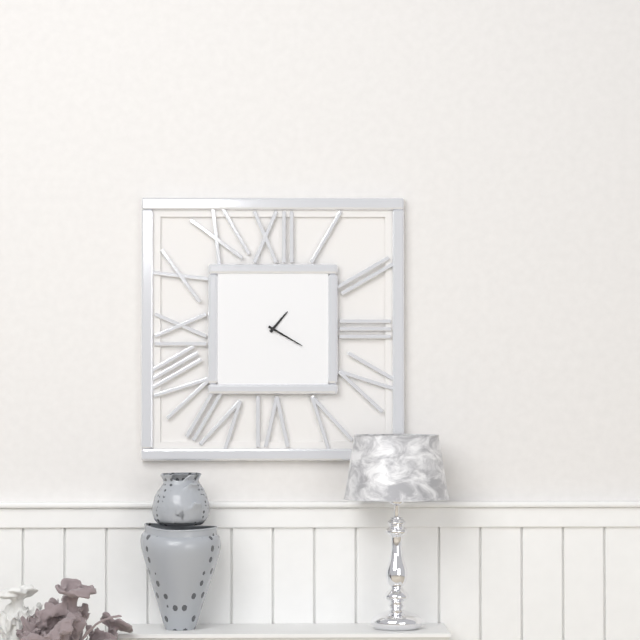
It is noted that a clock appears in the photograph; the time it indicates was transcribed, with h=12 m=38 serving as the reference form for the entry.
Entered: h=1 m=20
